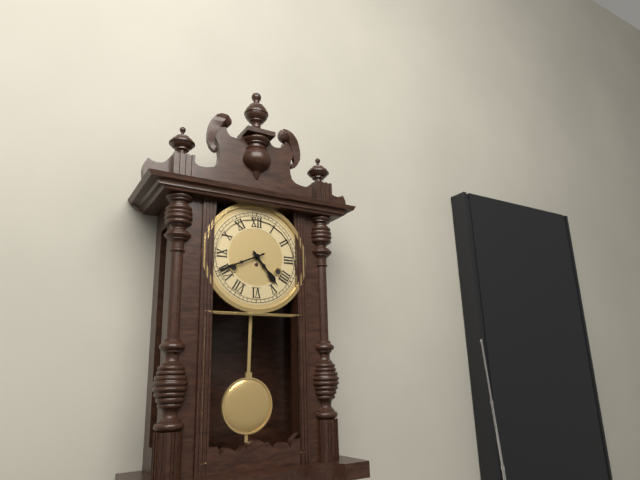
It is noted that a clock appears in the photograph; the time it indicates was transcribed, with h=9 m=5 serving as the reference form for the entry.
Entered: h=4 m=41
